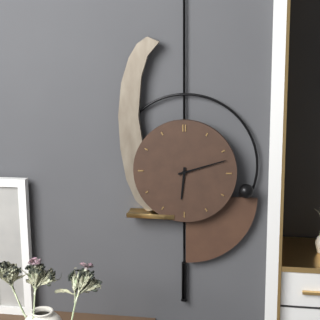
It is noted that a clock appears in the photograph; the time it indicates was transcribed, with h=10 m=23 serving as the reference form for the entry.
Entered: h=6 m=12
